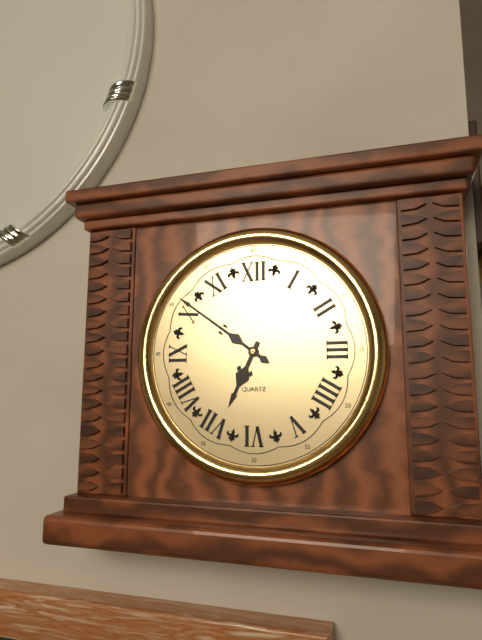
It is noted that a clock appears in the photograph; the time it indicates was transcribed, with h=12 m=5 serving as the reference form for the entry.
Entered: h=6 m=51
